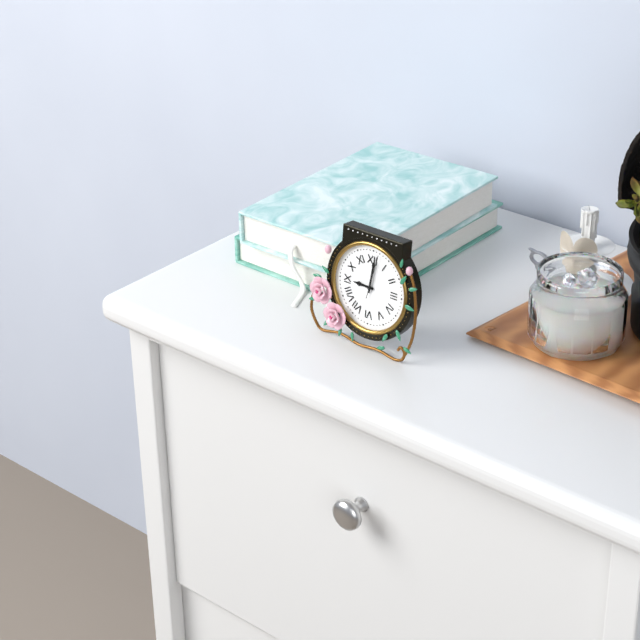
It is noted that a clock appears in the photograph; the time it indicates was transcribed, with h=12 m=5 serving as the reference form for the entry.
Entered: h=9 m=1
